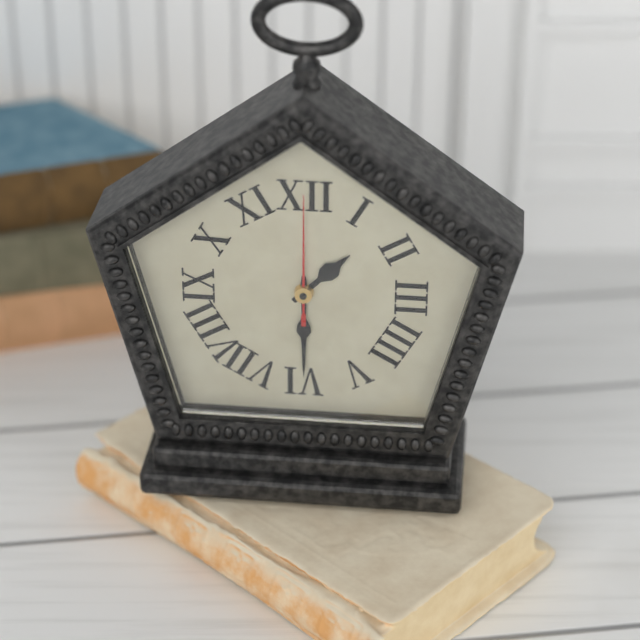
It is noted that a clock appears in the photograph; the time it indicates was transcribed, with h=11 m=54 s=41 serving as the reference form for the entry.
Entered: h=1 m=30 s=0
